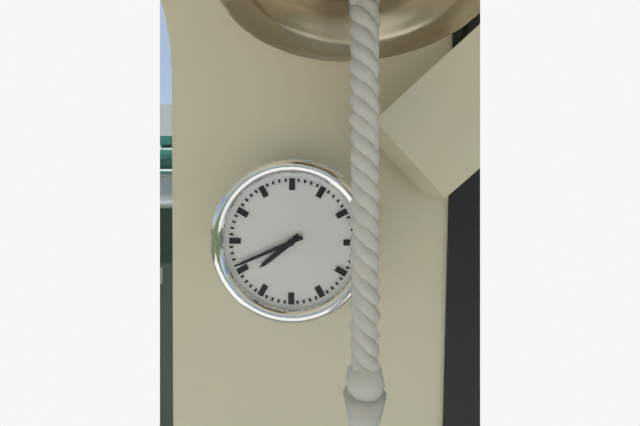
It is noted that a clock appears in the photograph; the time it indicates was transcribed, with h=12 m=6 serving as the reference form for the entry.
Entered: h=7 m=41
